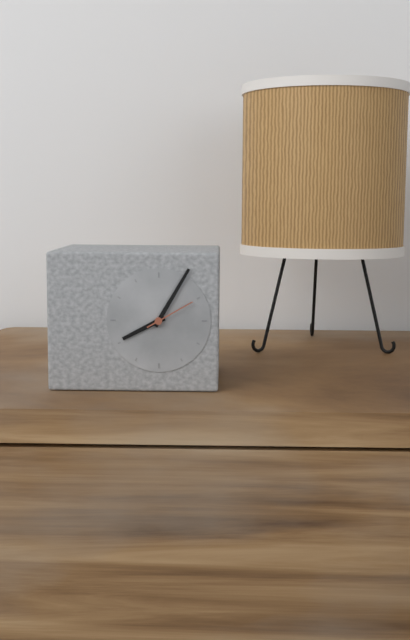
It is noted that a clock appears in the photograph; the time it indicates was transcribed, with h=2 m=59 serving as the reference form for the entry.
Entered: h=8 m=5
